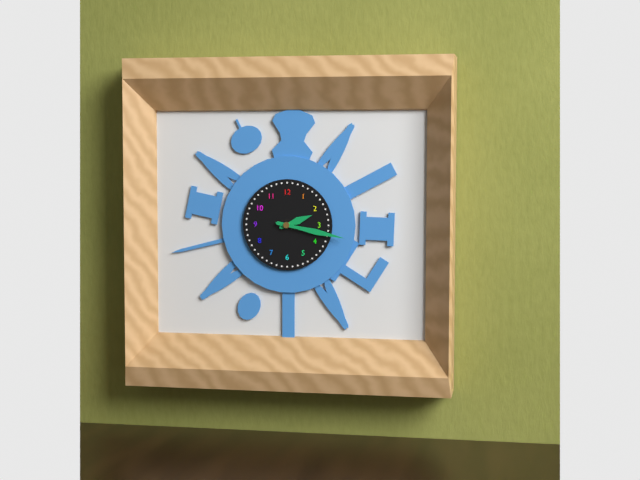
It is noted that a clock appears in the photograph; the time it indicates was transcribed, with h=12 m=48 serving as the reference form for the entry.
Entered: h=2 m=17
